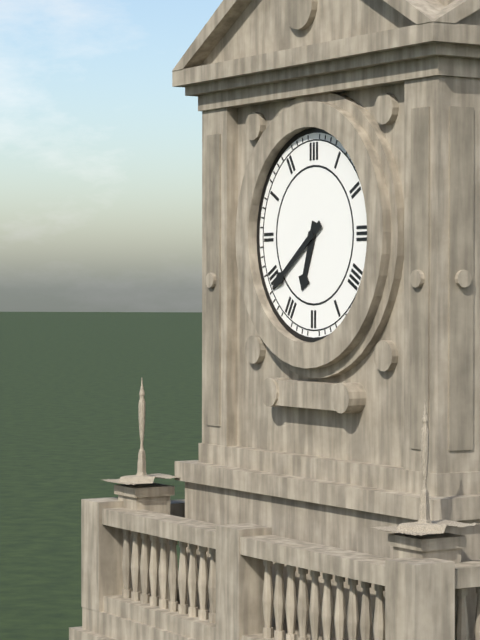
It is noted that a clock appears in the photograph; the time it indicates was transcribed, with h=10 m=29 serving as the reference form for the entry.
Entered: h=6 m=39
